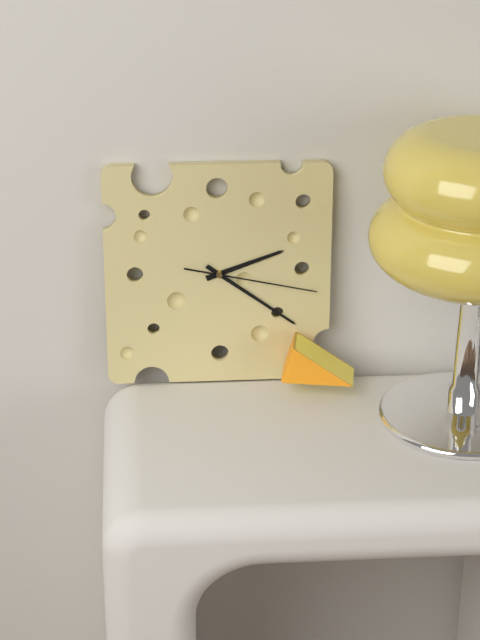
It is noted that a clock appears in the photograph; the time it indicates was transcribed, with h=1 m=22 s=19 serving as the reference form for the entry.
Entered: h=2 m=21 s=17
